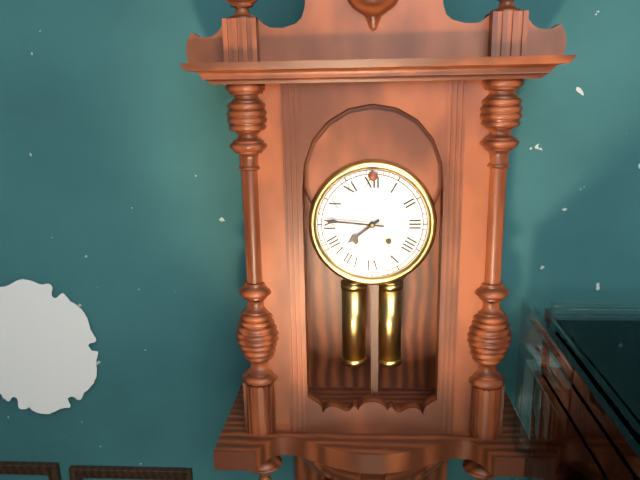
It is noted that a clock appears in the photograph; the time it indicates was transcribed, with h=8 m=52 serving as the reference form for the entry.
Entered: h=7 m=46
